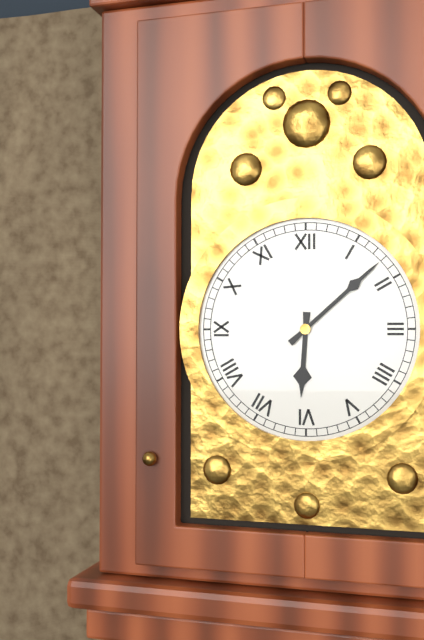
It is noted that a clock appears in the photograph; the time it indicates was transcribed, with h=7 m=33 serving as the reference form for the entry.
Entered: h=6 m=8
